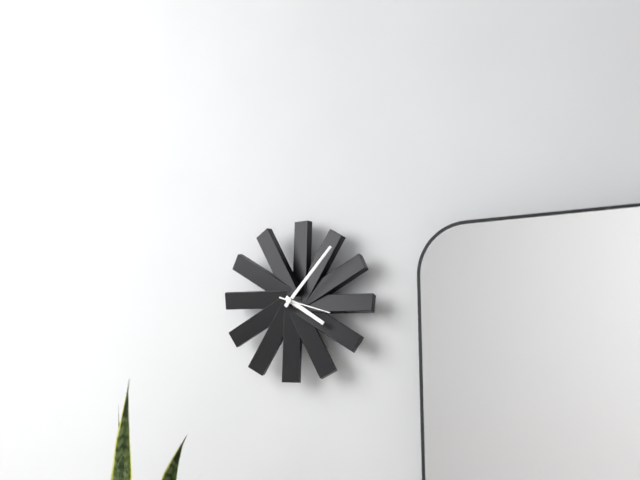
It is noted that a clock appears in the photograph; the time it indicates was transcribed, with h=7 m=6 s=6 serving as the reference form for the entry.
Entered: h=4 m=7 s=18
